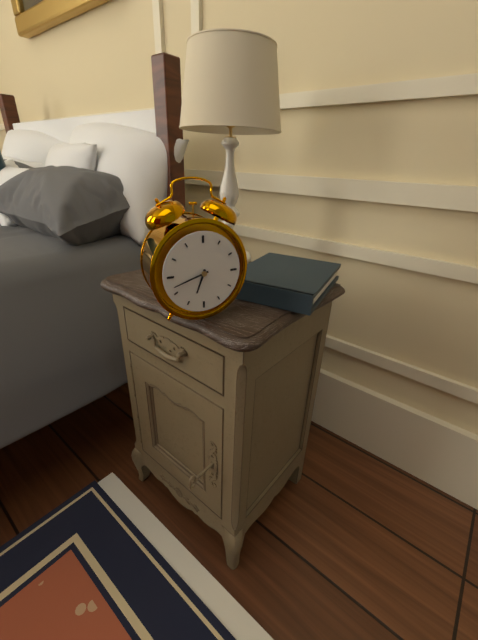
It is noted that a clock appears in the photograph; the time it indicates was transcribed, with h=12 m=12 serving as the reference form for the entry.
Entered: h=6 m=42
